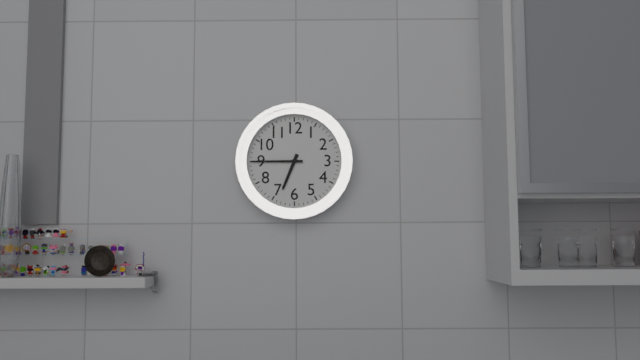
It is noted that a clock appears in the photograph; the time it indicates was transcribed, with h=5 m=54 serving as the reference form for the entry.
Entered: h=6 m=45
